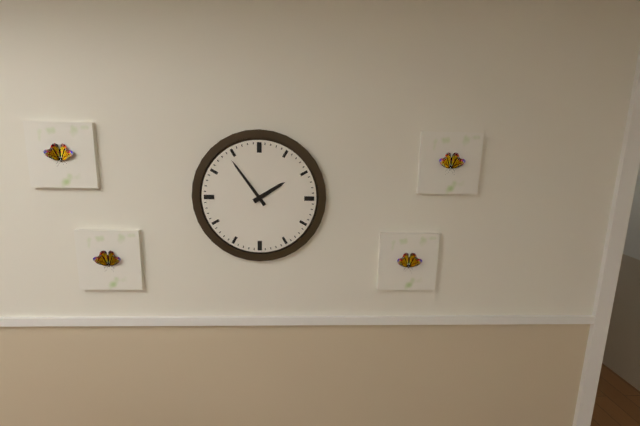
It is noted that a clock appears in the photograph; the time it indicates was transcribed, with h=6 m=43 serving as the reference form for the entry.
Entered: h=1 m=54
